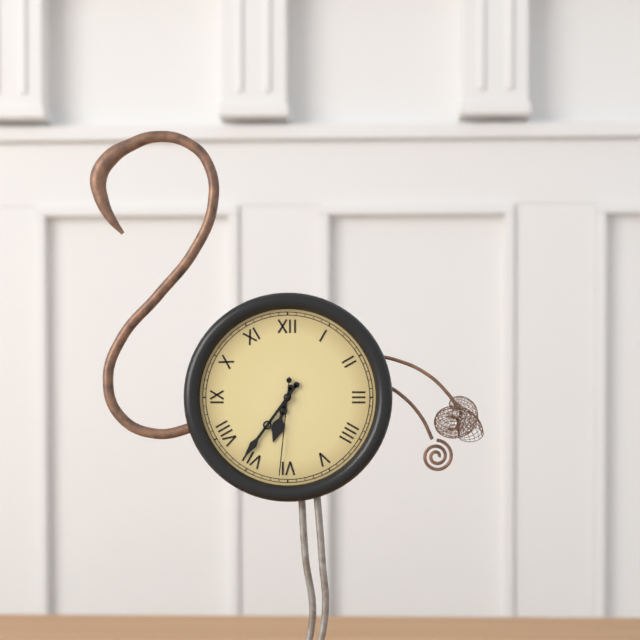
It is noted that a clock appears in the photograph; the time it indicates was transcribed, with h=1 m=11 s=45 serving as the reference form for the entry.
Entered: h=6 m=36 s=31
